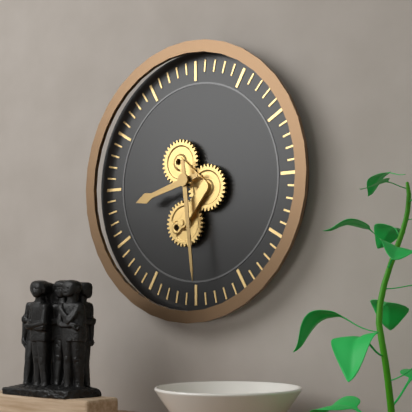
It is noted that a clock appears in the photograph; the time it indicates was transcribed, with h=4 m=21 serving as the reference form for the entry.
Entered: h=8 m=29
